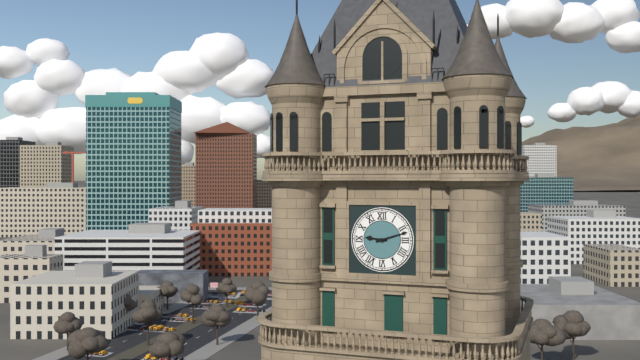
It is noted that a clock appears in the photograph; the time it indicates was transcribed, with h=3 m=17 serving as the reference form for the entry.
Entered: h=9 m=12
